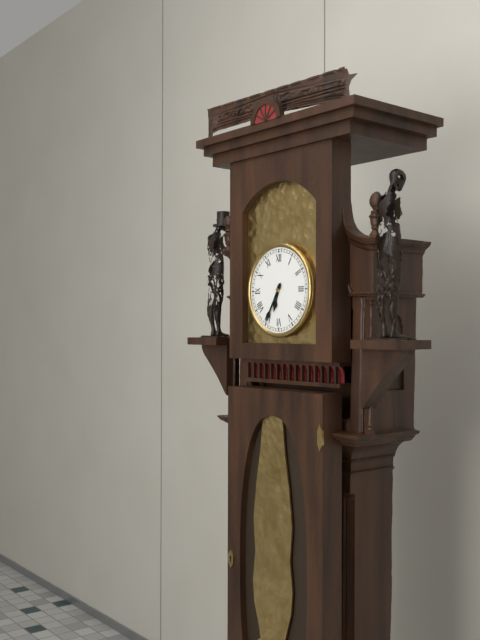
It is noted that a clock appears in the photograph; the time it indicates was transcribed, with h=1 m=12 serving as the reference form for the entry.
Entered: h=6 m=35
